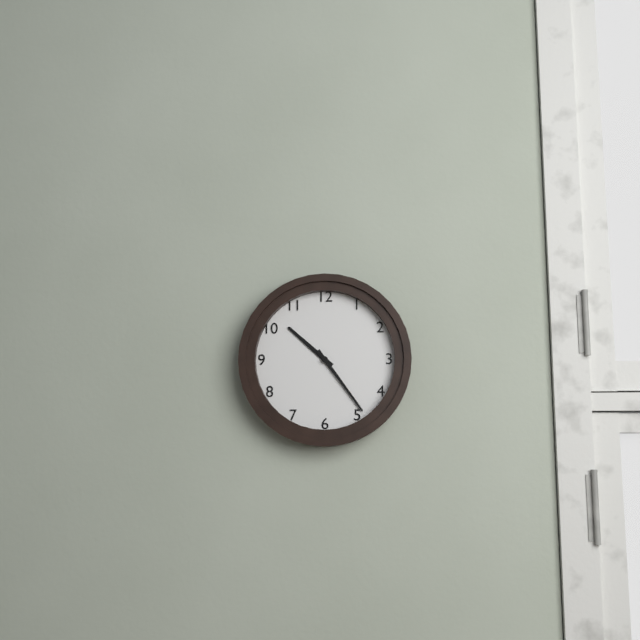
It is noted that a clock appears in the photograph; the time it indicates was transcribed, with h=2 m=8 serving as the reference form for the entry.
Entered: h=10 m=24
